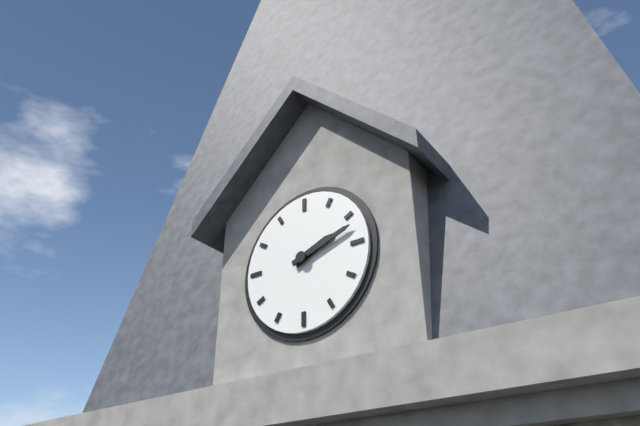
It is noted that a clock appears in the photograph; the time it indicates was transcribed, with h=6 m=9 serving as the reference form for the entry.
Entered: h=2 m=12
